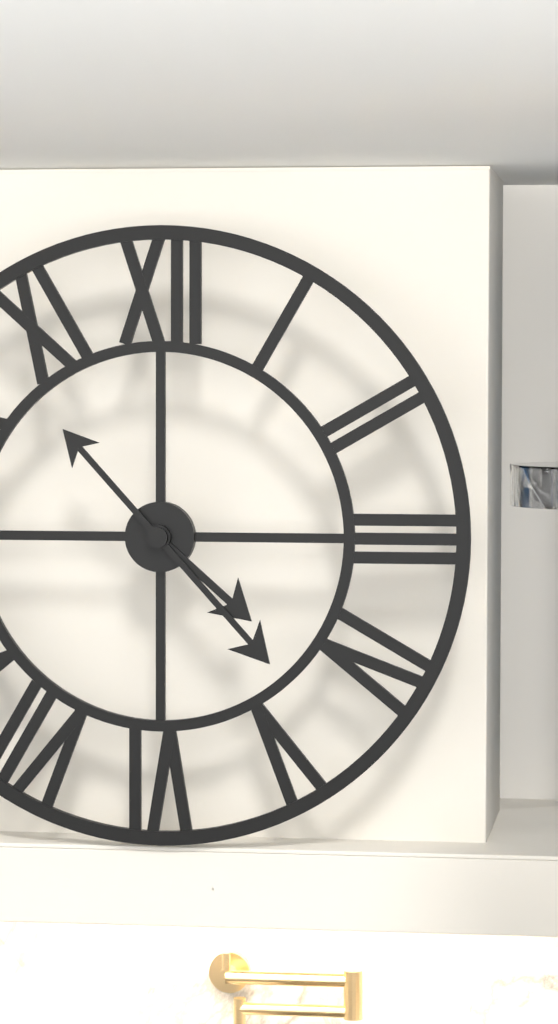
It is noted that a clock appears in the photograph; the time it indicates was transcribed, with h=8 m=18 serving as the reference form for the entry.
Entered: h=4 m=23
